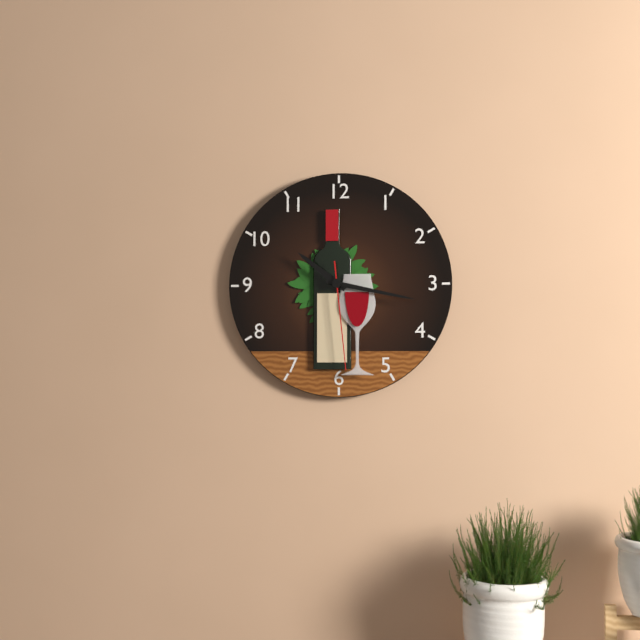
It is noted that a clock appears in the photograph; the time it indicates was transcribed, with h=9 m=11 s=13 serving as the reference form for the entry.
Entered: h=10 m=17 s=29
